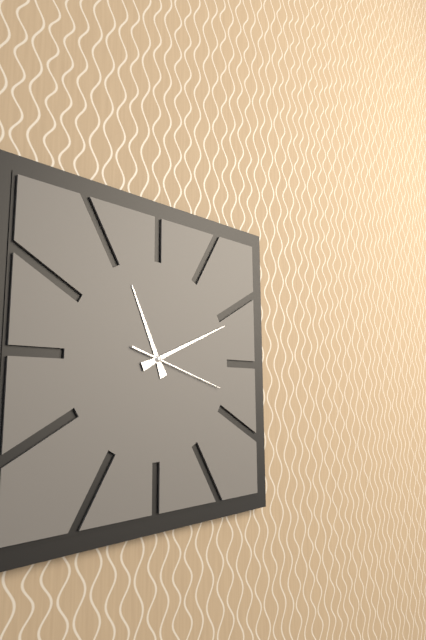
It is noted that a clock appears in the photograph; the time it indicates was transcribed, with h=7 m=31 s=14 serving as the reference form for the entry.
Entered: h=11 m=11 s=18
